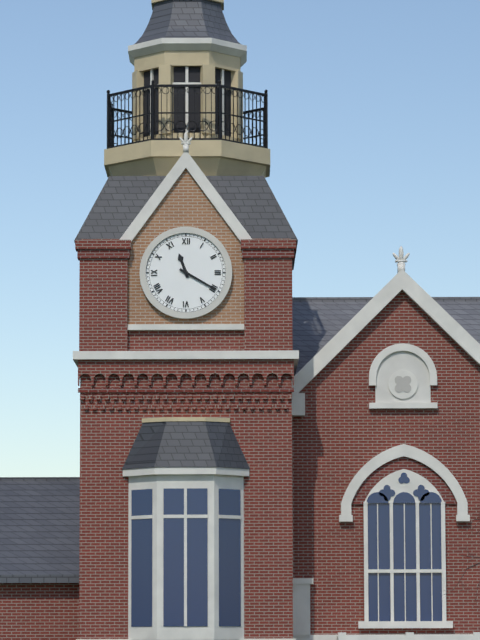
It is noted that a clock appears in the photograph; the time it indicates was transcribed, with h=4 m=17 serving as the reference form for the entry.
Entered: h=11 m=20
